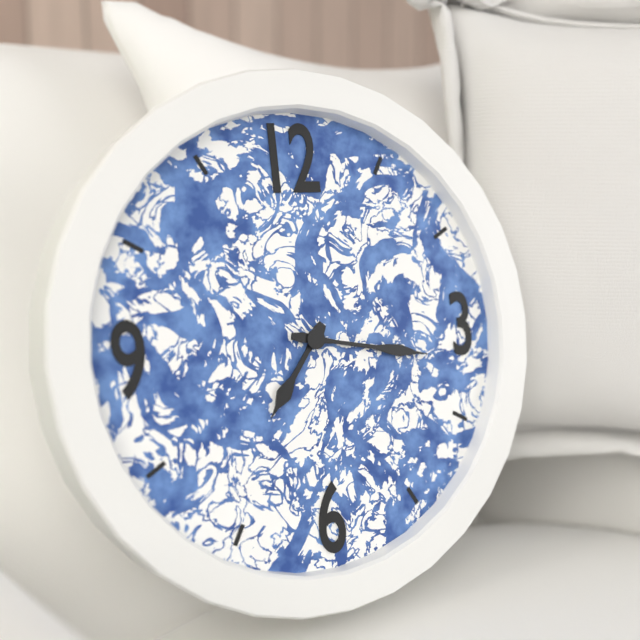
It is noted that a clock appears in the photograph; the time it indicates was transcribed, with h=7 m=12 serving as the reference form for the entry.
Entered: h=7 m=17
